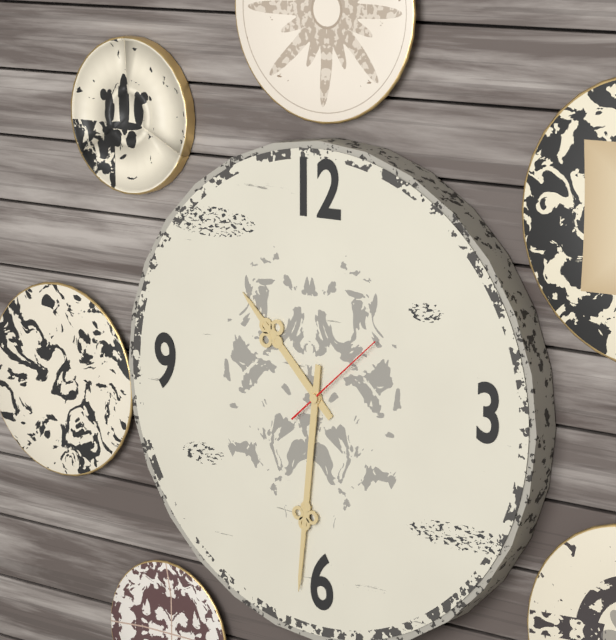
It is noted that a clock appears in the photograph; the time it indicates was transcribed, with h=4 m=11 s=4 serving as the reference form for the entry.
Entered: h=10 m=31 s=8
